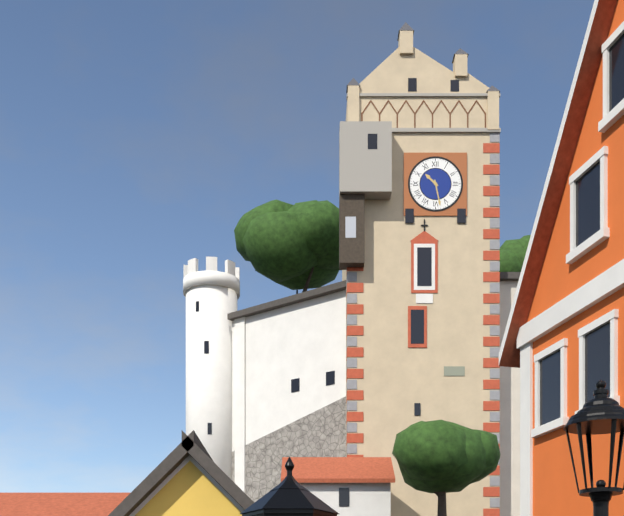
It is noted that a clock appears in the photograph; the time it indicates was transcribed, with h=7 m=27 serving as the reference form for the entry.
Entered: h=10 m=28
